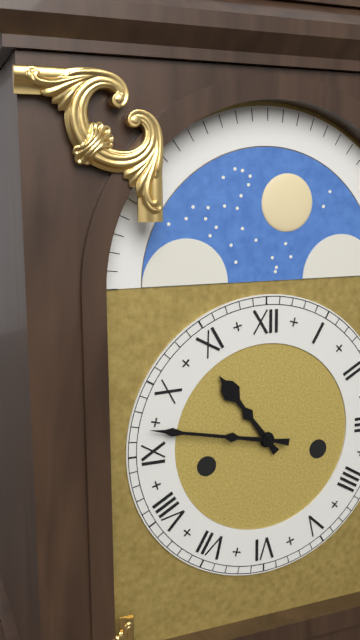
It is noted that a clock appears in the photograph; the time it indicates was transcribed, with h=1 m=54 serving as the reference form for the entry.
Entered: h=10 m=47
